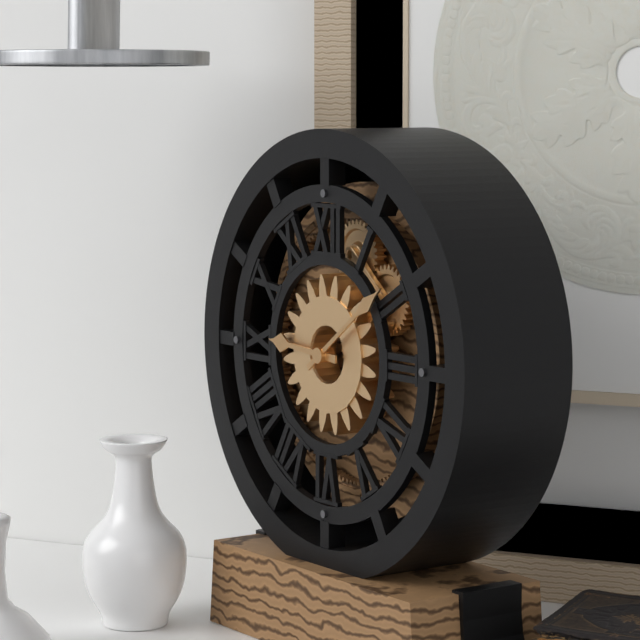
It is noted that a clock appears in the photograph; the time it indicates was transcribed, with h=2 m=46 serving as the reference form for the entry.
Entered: h=9 m=9
